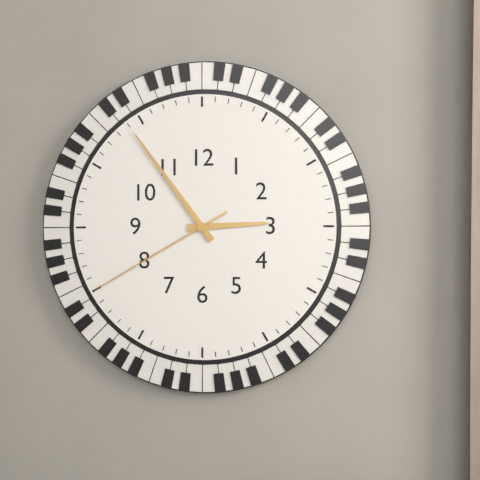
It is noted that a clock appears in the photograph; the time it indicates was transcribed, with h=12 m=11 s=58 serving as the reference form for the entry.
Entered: h=2 m=54 s=40
